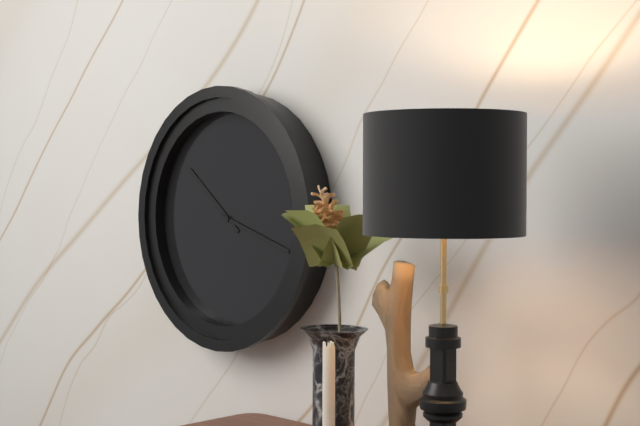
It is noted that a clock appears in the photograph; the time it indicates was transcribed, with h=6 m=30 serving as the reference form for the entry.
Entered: h=10 m=18
